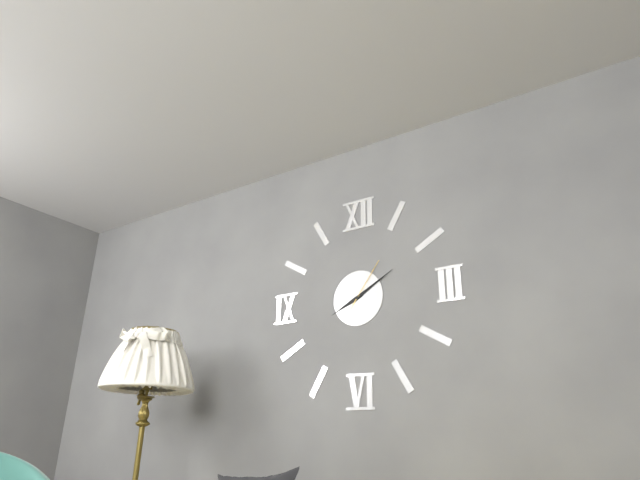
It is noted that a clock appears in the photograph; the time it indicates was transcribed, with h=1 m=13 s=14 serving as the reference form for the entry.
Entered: h=8 m=10 s=6
